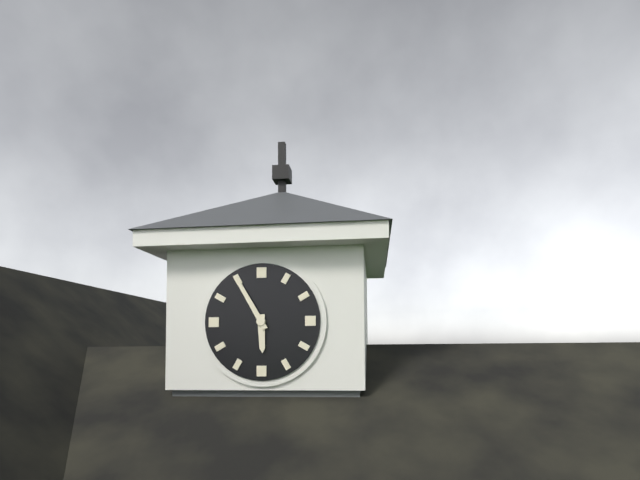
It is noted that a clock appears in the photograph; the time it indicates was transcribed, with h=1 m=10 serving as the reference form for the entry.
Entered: h=5 m=55
